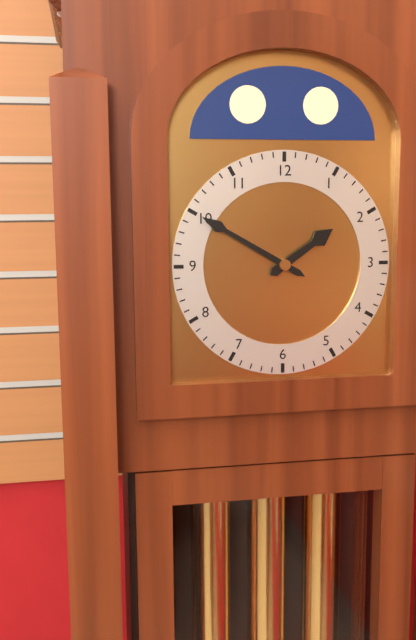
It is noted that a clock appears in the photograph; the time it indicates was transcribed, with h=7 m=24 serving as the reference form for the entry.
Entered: h=1 m=50
